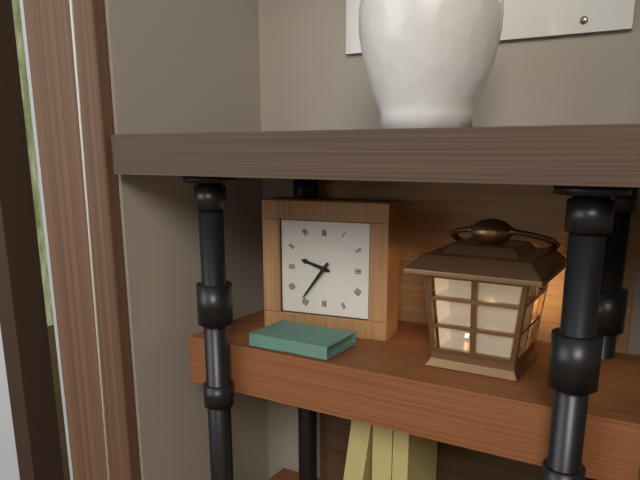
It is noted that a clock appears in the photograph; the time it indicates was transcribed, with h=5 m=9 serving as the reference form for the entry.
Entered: h=9 m=36
